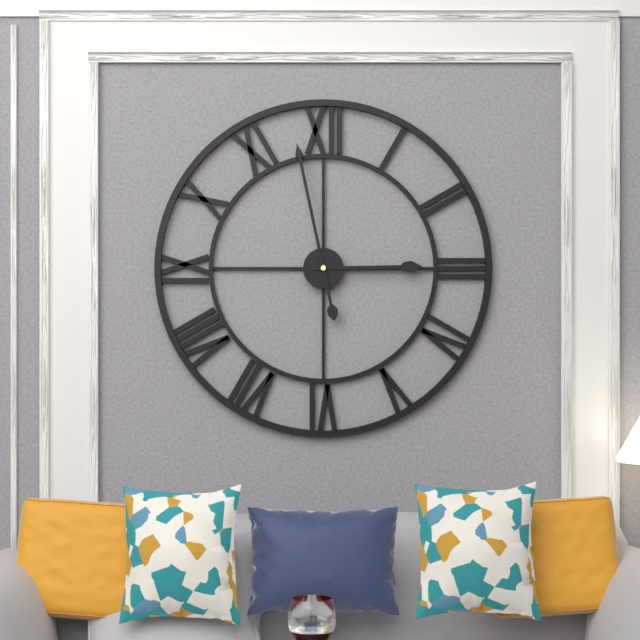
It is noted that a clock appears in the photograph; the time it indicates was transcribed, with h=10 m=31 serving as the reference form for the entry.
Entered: h=2 m=58
